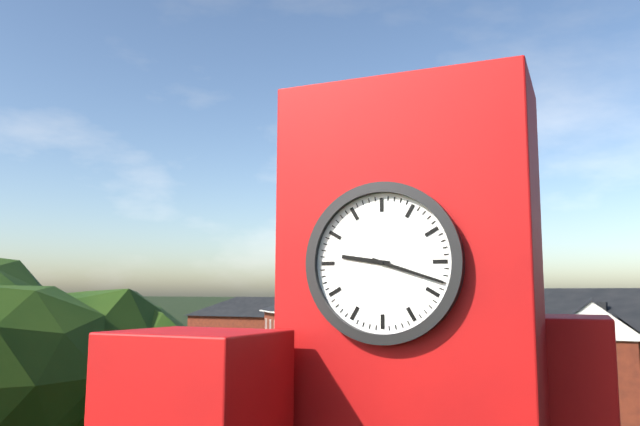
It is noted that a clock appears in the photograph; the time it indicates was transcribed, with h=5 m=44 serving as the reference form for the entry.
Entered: h=9 m=18
